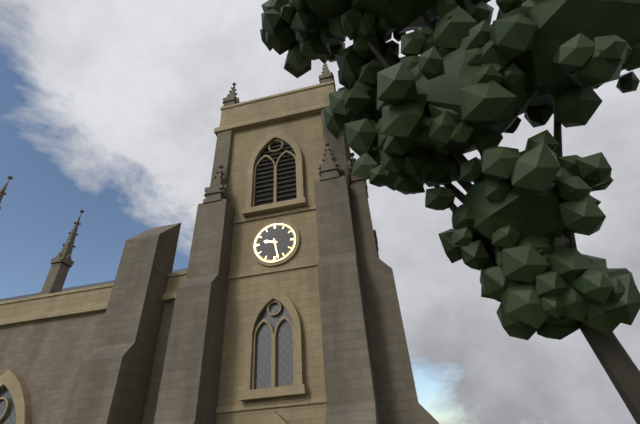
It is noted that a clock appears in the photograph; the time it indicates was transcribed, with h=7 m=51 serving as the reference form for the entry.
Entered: h=9 m=28
